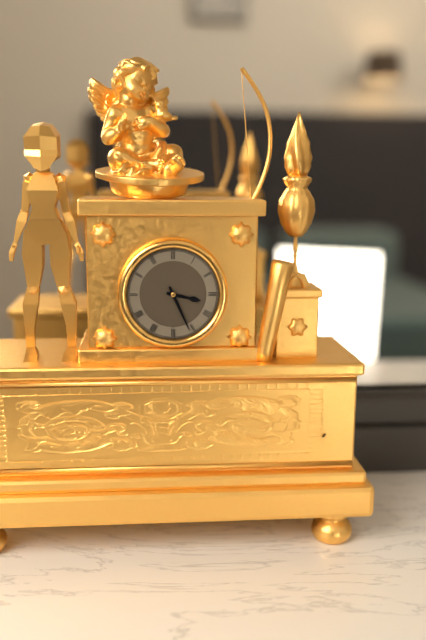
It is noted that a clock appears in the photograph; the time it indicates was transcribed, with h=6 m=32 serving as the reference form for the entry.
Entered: h=3 m=26
